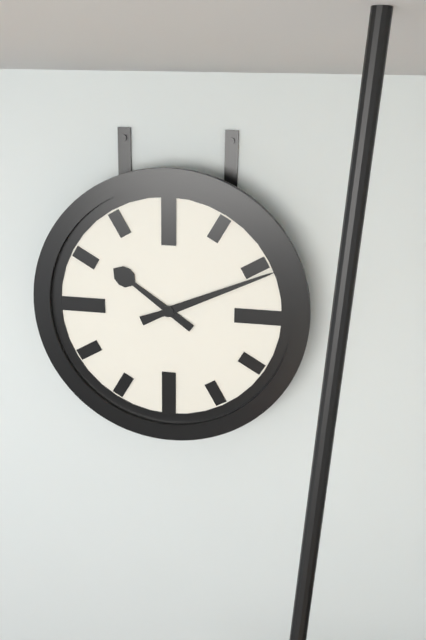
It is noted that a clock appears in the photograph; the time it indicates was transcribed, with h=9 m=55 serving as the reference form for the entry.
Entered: h=10 m=11
